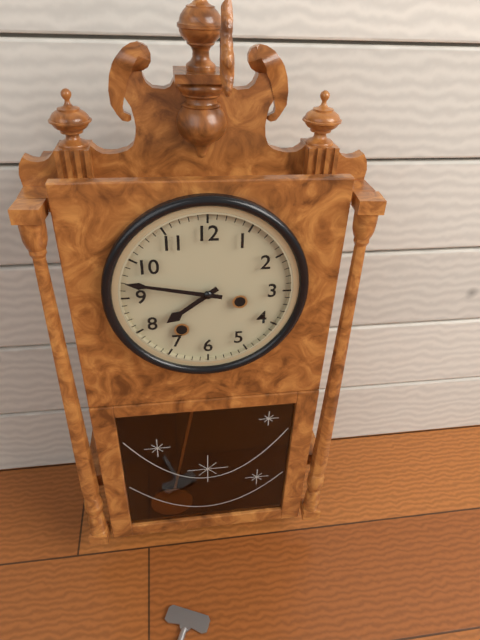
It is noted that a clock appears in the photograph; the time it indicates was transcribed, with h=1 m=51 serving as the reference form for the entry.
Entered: h=7 m=47
